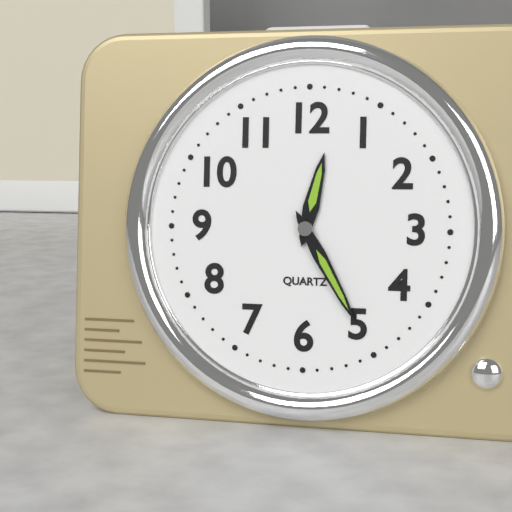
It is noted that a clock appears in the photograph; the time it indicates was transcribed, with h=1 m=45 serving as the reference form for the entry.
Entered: h=12 m=25
